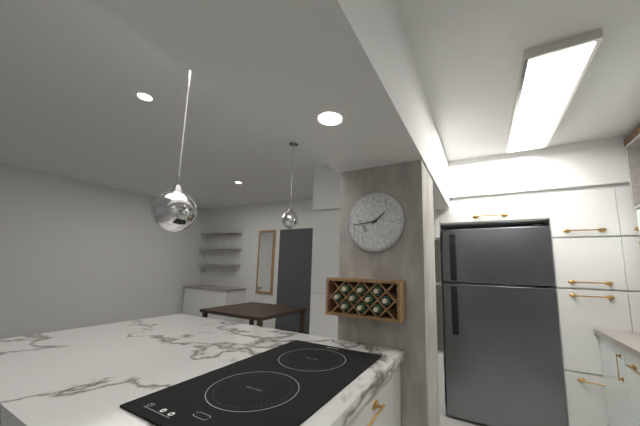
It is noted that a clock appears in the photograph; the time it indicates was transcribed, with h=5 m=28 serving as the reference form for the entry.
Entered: h=1 m=44
